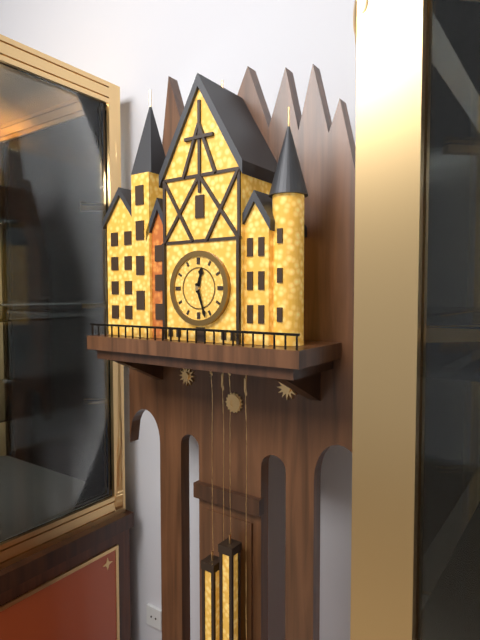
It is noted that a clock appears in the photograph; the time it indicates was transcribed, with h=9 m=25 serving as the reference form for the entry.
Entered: h=12 m=27
